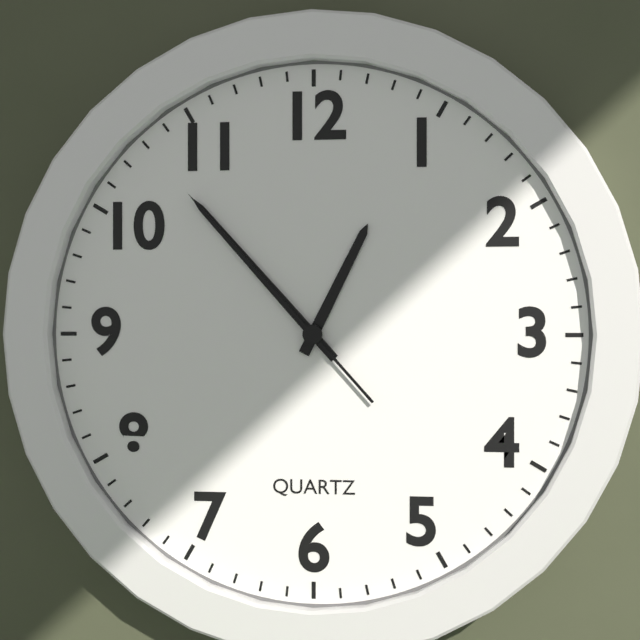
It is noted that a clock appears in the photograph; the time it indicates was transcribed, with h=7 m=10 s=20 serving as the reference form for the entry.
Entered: h=12 m=53 s=53
